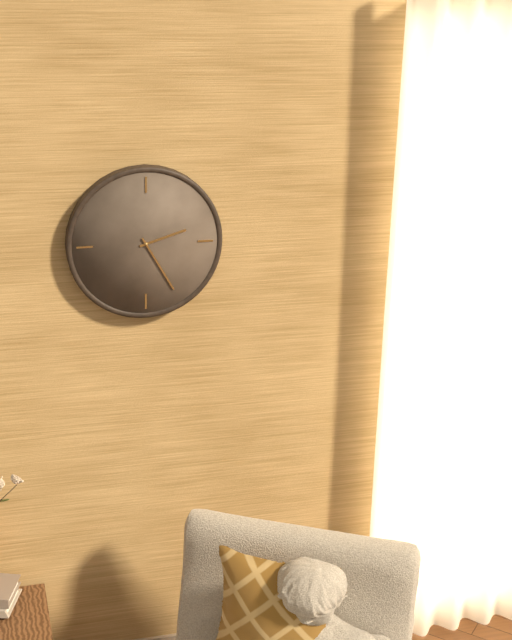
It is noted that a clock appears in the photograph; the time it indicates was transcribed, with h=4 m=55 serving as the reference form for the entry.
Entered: h=2 m=25
